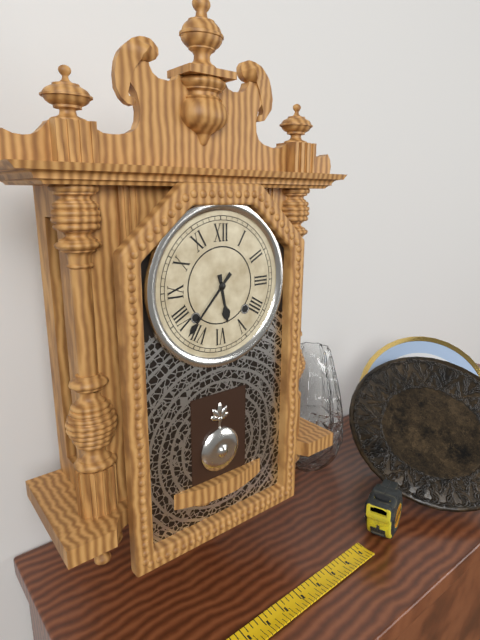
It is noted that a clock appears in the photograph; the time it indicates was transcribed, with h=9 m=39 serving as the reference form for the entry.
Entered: h=5 m=37
